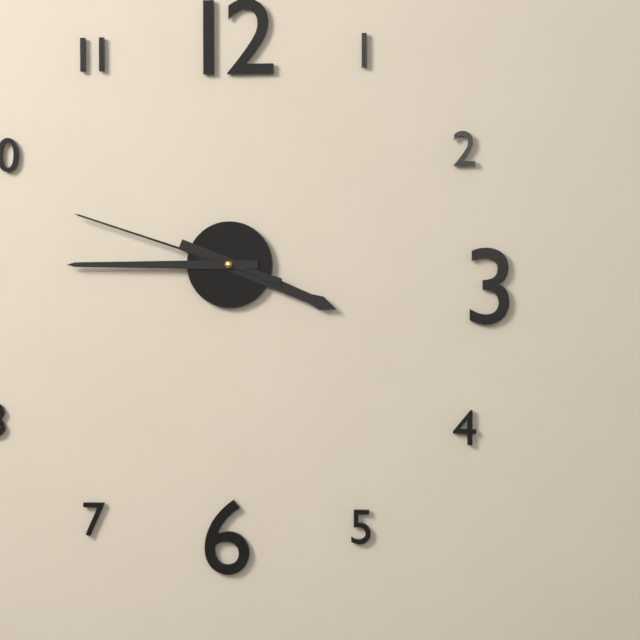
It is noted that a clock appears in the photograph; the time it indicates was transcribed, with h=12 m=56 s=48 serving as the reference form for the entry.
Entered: h=3 m=45 s=48
